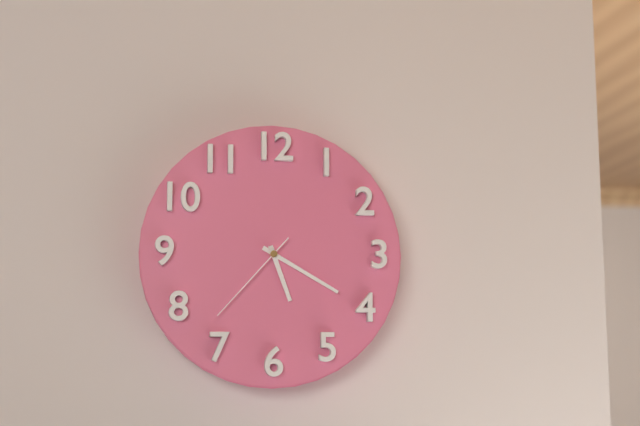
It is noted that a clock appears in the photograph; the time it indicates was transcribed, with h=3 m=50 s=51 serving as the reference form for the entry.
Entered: h=5 m=20 s=37
